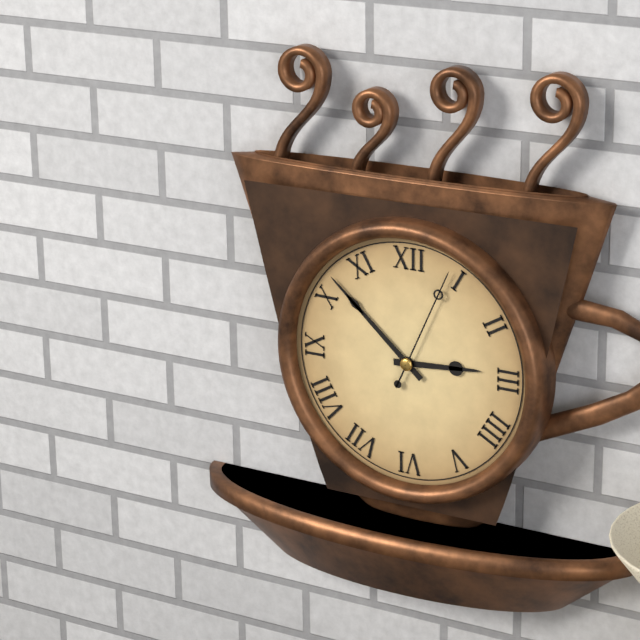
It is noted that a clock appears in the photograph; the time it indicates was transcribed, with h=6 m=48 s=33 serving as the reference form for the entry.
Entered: h=2 m=52 s=4
